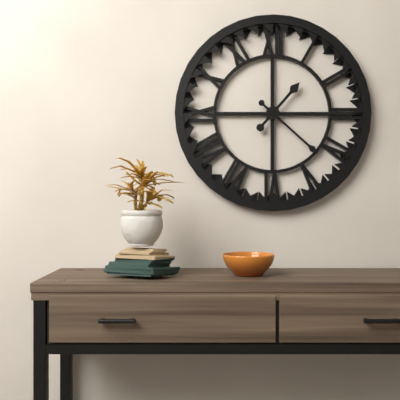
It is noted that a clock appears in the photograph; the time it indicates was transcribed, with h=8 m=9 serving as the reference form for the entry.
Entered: h=1 m=22
